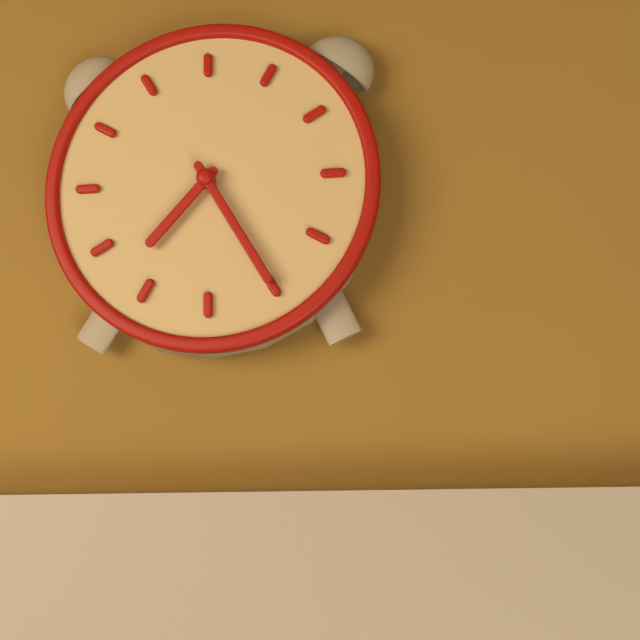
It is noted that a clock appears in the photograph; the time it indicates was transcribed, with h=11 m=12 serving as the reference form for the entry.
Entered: h=7 m=25
